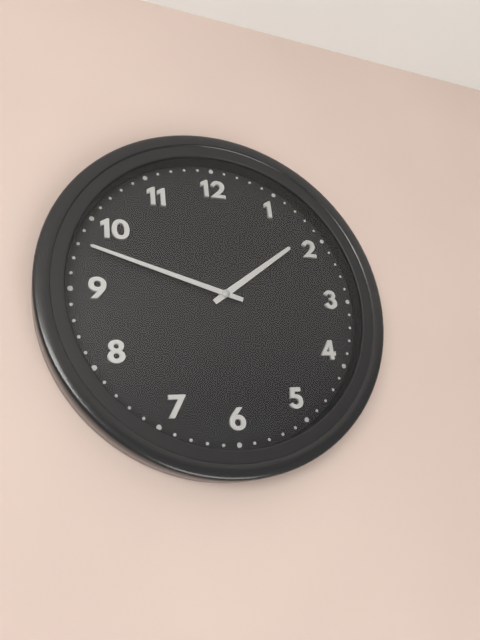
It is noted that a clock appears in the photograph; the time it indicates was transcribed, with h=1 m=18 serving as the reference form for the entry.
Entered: h=1 m=48
